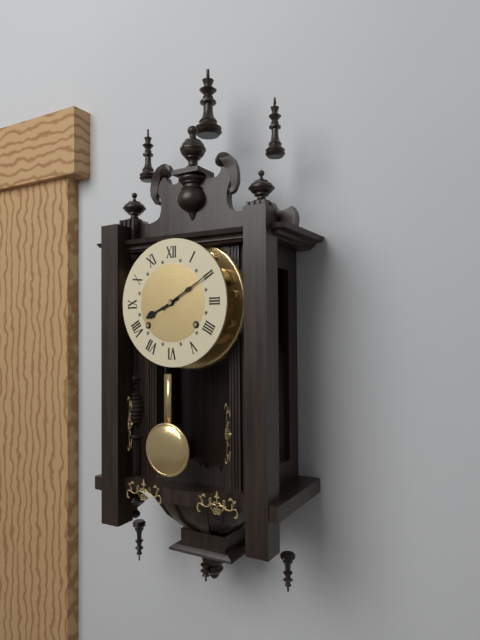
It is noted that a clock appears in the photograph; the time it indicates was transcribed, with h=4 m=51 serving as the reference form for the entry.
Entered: h=8 m=10
